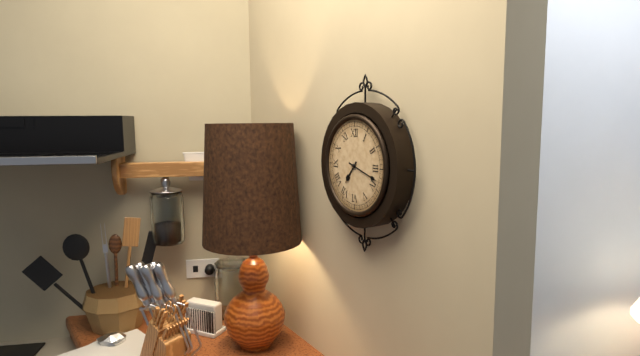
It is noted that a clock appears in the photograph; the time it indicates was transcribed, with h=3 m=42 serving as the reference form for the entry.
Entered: h=7 m=18
